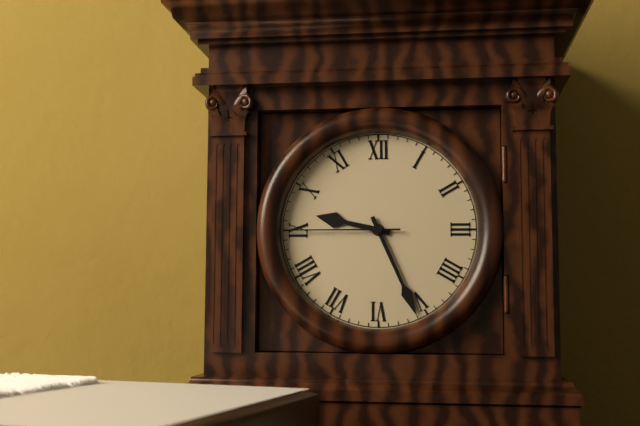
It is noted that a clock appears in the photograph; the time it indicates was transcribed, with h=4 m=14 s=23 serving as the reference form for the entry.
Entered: h=9 m=26 s=45
